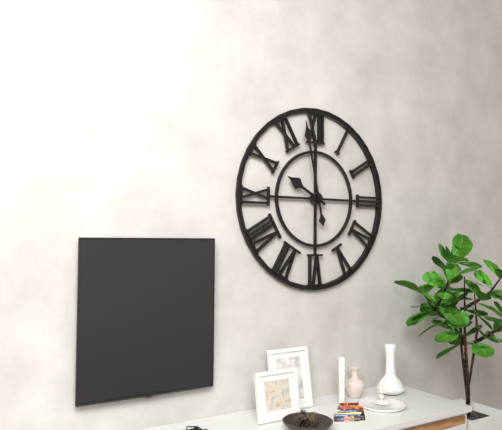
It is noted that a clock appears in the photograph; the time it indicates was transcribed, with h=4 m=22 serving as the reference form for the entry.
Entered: h=9 m=58
